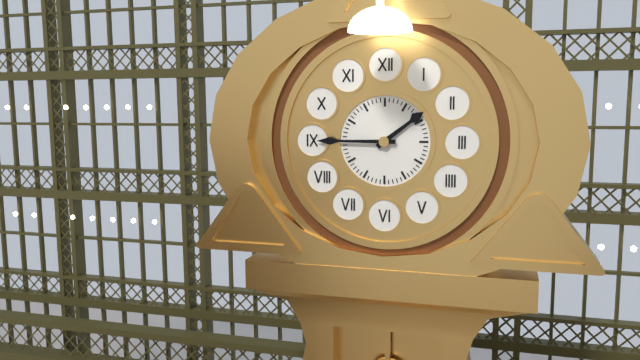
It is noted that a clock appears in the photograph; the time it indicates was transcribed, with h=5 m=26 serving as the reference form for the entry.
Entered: h=1 m=45
